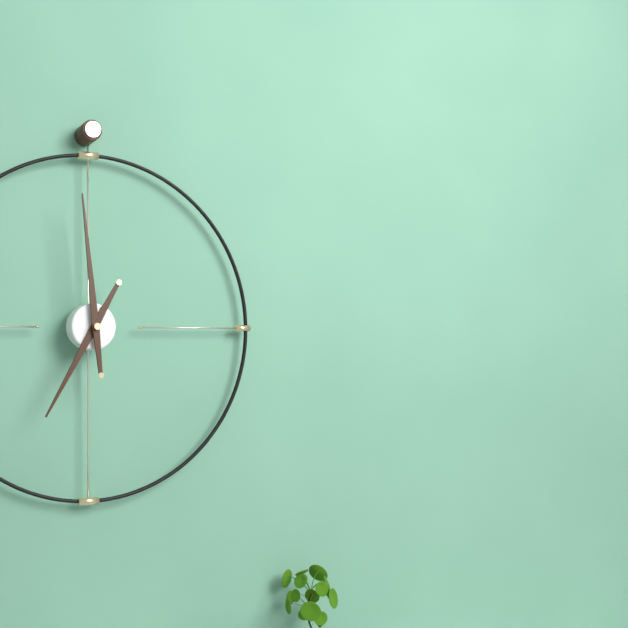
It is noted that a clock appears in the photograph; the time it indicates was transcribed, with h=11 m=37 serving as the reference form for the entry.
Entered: h=6 m=59
